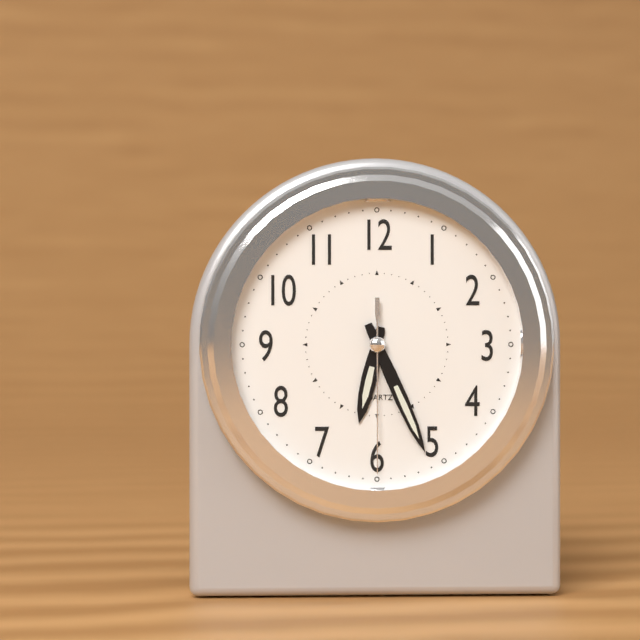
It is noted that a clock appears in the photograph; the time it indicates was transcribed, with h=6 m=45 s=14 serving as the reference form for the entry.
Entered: h=6 m=26 s=30
